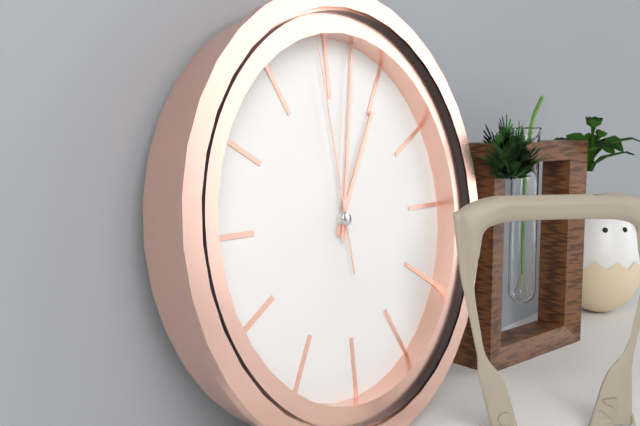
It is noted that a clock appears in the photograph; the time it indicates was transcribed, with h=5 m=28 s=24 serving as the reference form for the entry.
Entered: h=1 m=2 s=59
